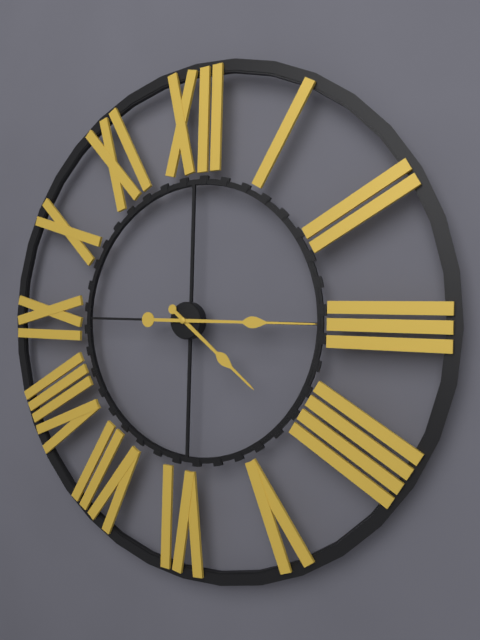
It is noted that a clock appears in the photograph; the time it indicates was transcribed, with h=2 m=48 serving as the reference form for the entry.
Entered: h=4 m=15
